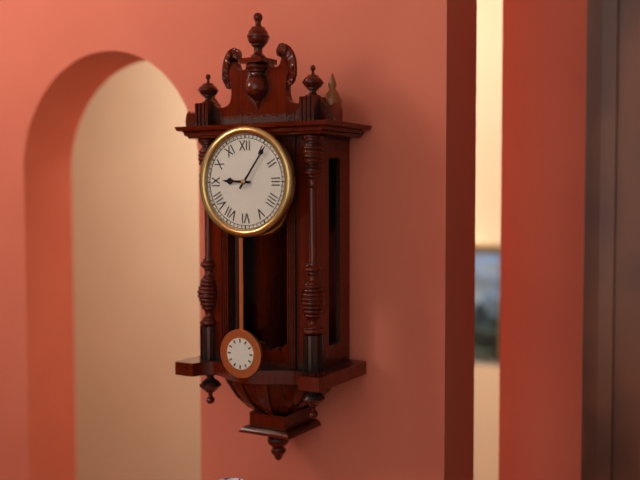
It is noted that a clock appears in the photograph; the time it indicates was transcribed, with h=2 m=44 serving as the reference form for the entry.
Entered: h=9 m=6
